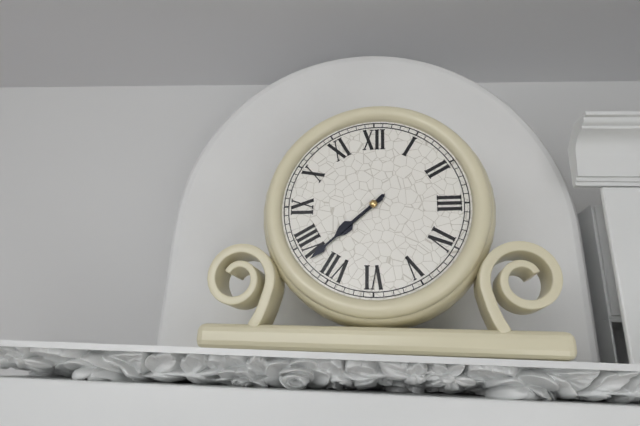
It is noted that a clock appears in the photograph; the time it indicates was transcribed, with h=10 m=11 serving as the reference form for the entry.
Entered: h=7 m=38
